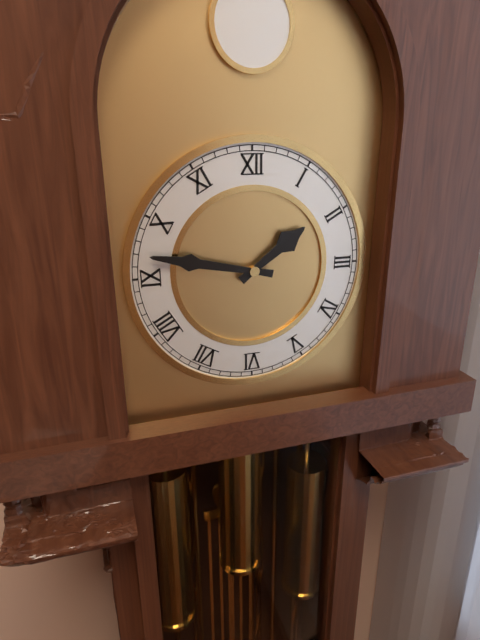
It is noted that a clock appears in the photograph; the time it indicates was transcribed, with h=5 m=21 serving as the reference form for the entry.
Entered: h=1 m=47
